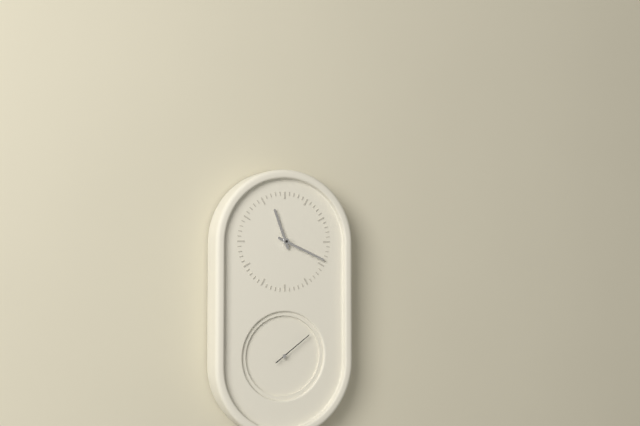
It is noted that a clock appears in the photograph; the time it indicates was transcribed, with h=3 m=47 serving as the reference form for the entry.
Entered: h=11 m=19
